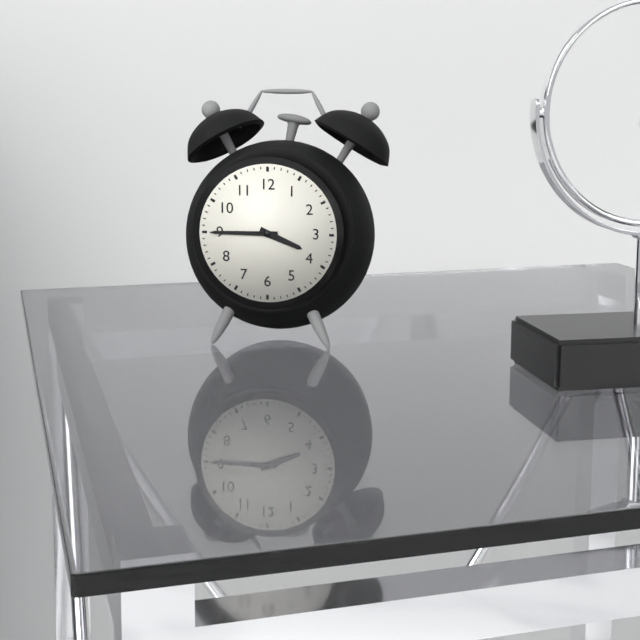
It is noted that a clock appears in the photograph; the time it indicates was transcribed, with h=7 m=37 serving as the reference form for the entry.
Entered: h=3 m=45
